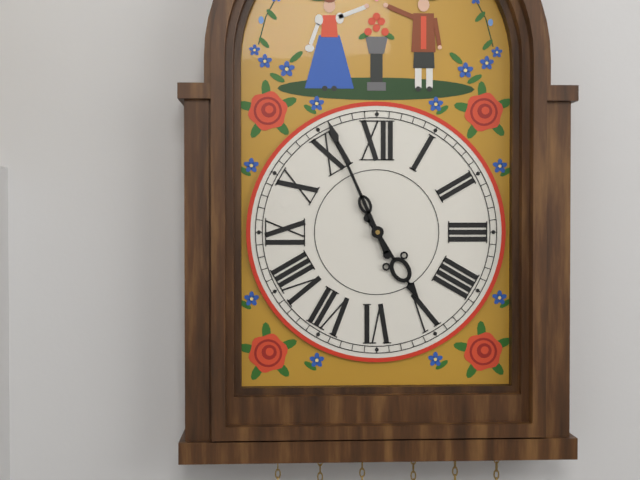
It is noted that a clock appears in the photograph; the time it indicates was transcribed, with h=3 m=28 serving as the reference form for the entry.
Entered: h=4 m=56
